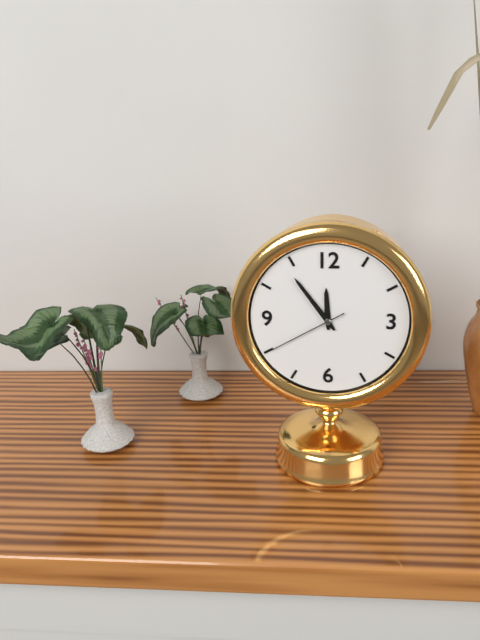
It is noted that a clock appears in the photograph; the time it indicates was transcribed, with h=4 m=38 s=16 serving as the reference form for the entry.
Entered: h=11 m=54 s=40
